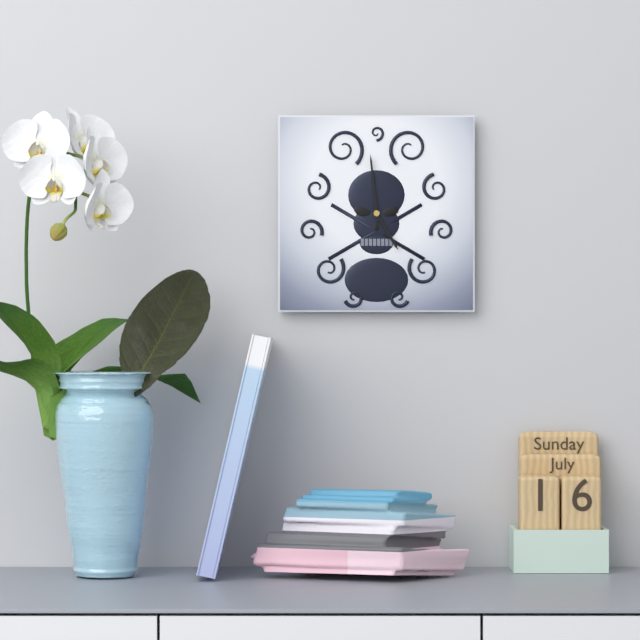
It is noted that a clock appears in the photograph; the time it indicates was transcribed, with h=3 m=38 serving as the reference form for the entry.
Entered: h=4 m=59
